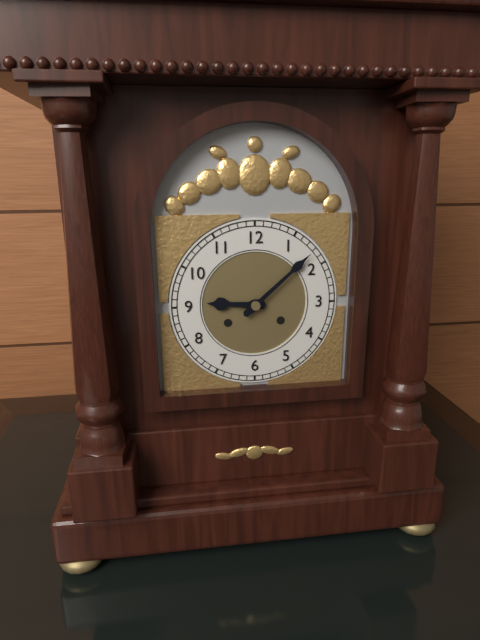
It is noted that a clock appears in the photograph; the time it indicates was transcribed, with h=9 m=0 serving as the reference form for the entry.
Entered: h=9 m=8
